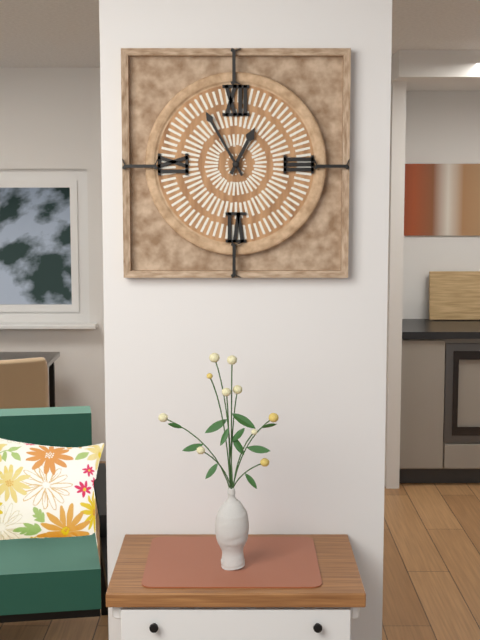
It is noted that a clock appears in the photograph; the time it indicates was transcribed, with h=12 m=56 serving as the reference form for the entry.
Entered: h=12 m=55
